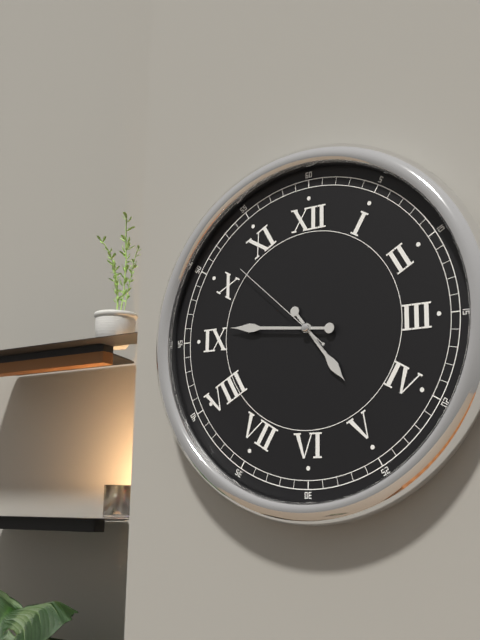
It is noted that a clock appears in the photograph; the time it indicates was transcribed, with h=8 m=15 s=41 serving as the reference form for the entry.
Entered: h=4 m=46 s=52
